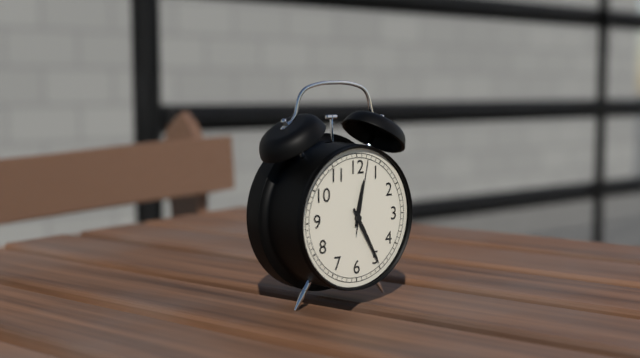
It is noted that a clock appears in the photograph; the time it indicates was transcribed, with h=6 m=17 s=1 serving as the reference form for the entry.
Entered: h=12 m=25 s=2
